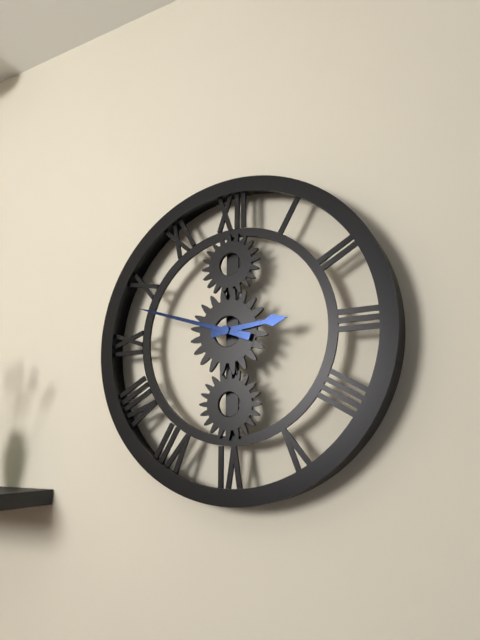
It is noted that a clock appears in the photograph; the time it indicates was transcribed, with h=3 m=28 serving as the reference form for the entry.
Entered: h=2 m=48
